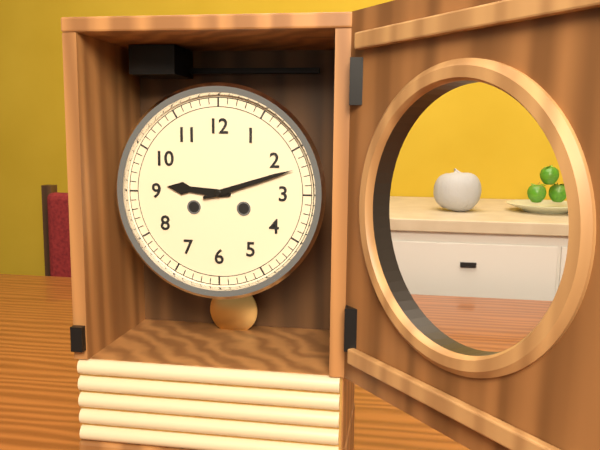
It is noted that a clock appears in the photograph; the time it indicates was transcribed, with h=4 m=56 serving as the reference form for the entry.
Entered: h=9 m=12
